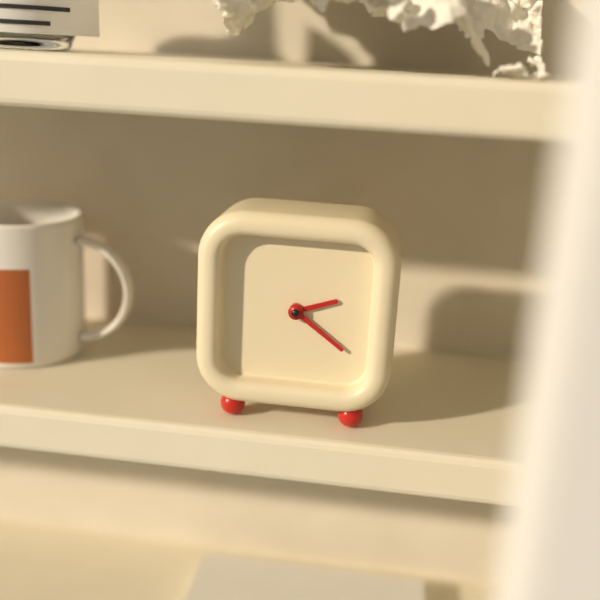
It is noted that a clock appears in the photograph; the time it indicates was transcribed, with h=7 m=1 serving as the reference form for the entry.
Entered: h=2 m=21
